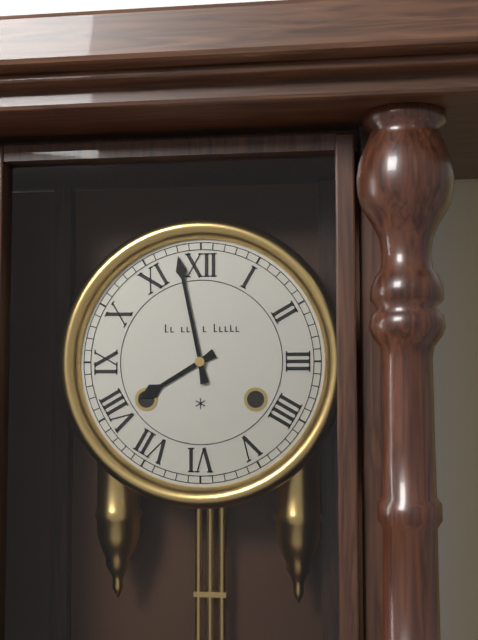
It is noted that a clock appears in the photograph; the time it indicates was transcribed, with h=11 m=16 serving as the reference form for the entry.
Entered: h=7 m=58
